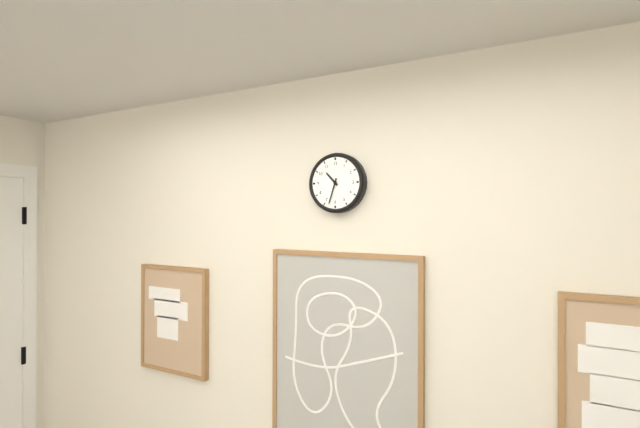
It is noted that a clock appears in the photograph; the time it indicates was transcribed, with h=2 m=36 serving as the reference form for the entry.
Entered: h=10 m=33
